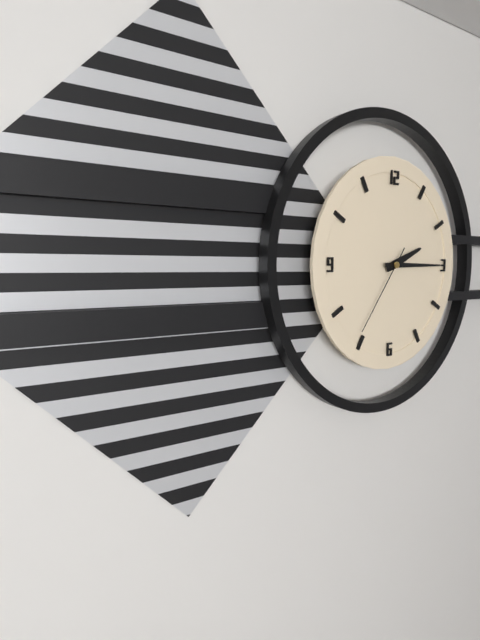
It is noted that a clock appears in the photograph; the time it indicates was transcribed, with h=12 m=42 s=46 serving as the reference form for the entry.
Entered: h=2 m=15 s=36
